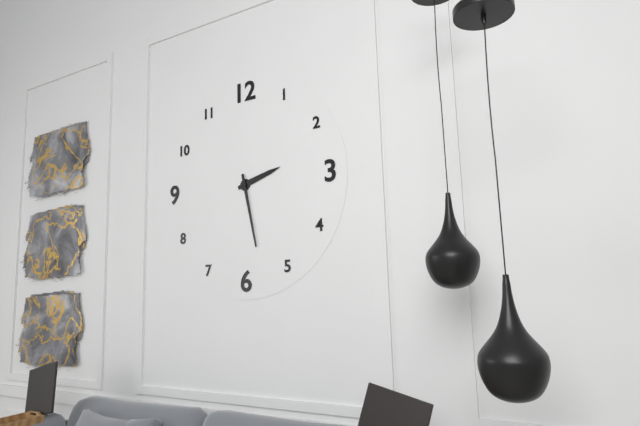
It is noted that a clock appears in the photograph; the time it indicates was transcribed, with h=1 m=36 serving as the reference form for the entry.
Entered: h=2 m=28
